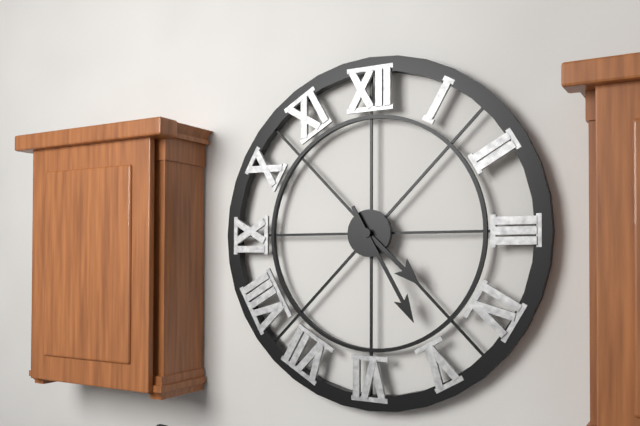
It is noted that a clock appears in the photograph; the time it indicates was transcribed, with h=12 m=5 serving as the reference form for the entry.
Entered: h=4 m=25
